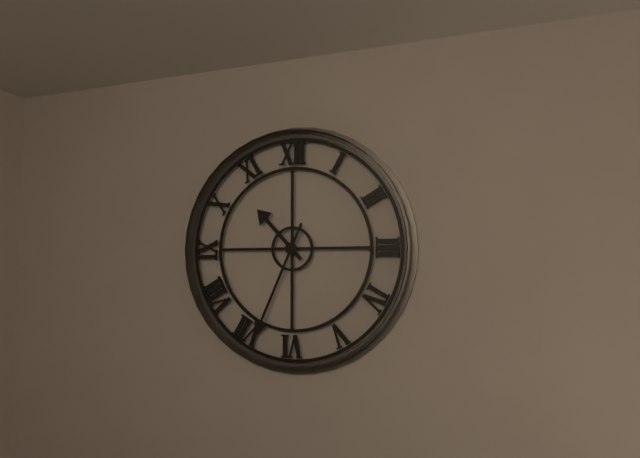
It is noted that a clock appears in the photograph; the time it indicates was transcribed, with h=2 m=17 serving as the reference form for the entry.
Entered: h=10 m=34
